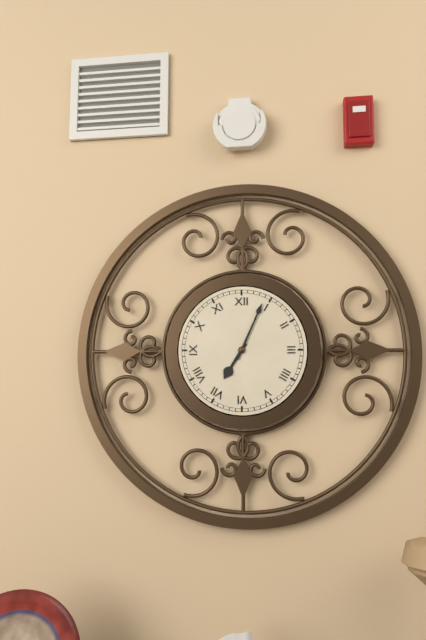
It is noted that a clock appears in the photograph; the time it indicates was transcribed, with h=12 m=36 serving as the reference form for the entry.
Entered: h=7 m=4
